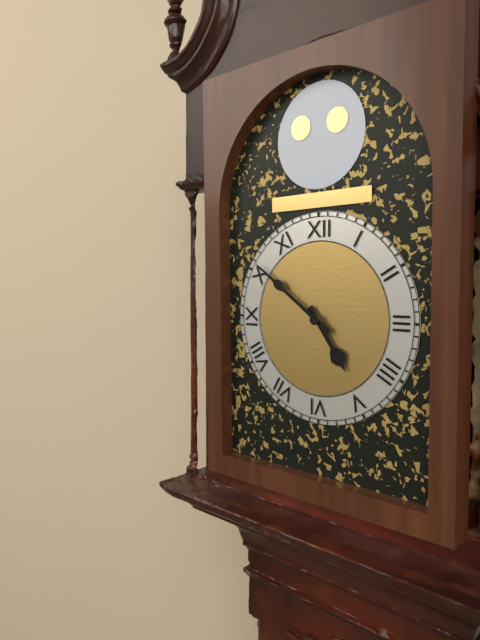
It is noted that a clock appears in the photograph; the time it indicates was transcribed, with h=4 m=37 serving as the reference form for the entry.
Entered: h=4 m=51
